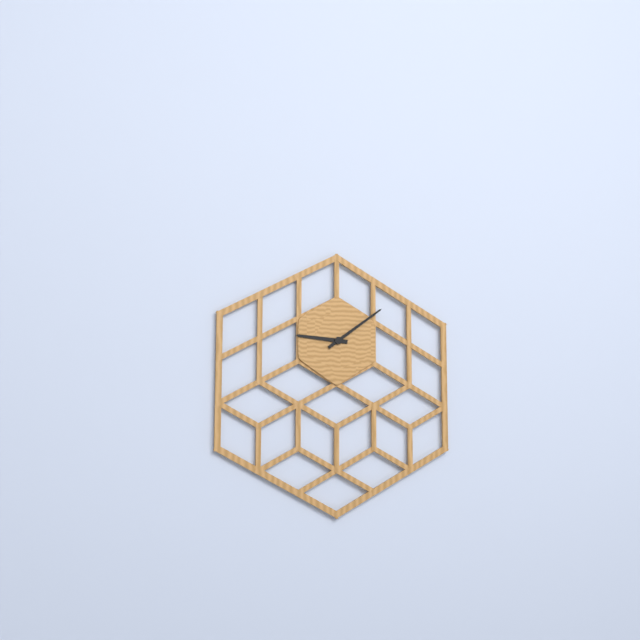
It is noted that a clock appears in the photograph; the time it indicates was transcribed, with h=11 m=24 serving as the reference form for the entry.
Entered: h=9 m=9
